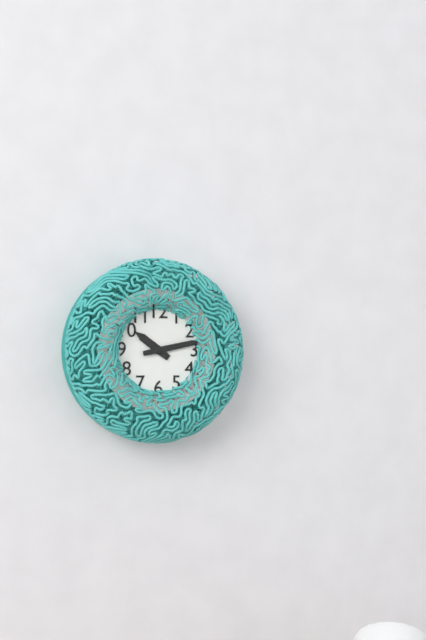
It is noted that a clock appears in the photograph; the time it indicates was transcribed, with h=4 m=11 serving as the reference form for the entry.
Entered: h=10 m=13
